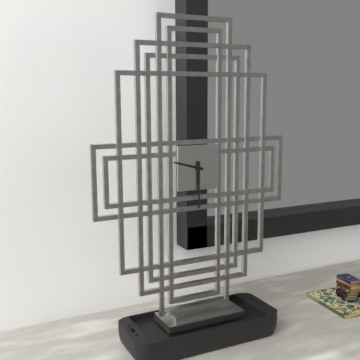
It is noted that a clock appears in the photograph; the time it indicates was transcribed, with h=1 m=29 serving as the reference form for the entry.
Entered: h=9 m=30
